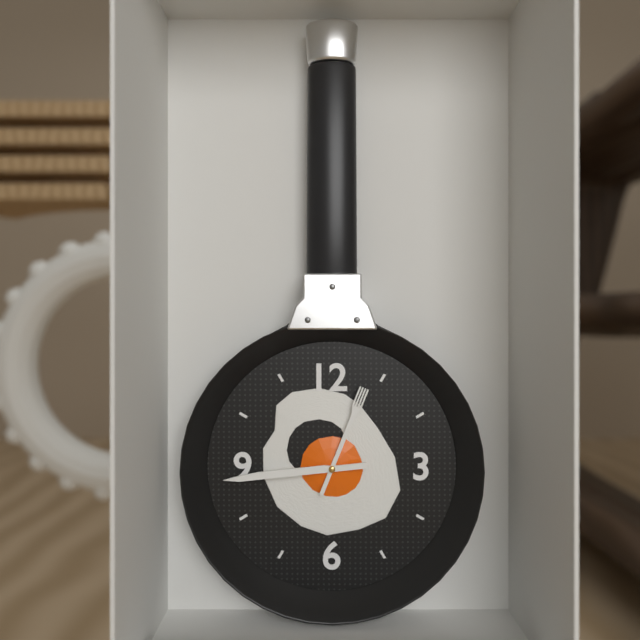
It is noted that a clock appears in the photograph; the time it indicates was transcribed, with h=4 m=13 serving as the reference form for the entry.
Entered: h=12 m=44
